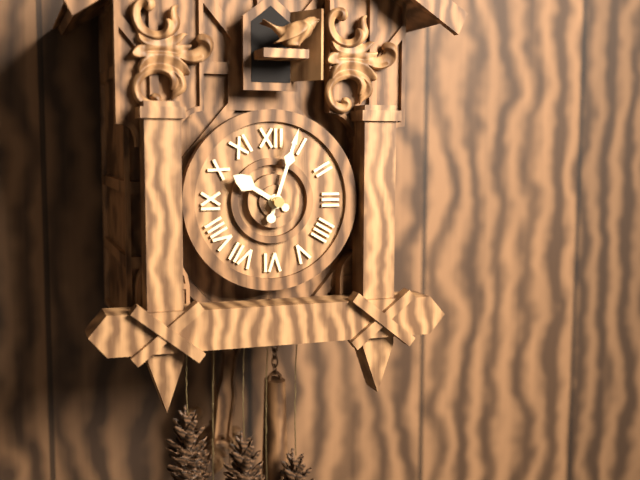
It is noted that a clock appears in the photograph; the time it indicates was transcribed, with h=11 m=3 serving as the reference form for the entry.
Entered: h=10 m=3
